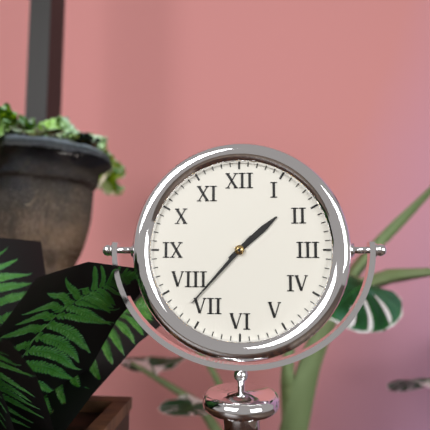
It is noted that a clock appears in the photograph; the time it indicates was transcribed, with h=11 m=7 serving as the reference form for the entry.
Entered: h=1 m=37
